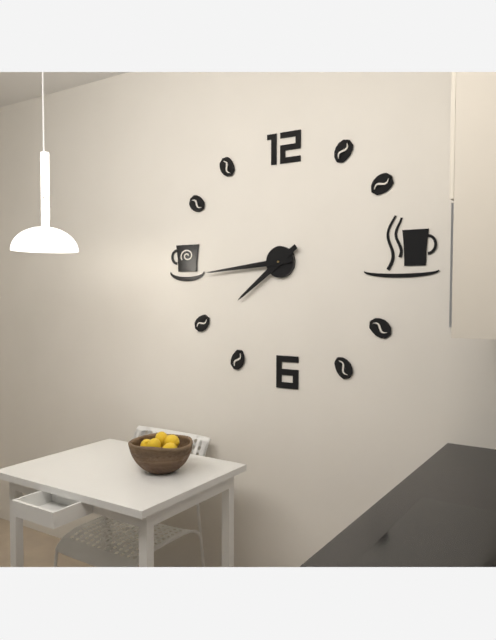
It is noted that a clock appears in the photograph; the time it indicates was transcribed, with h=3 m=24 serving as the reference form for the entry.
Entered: h=7 m=44
